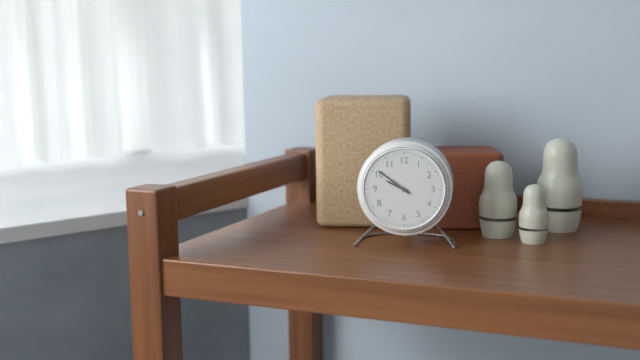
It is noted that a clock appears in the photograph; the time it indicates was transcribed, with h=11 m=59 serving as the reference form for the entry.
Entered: h=9 m=51
